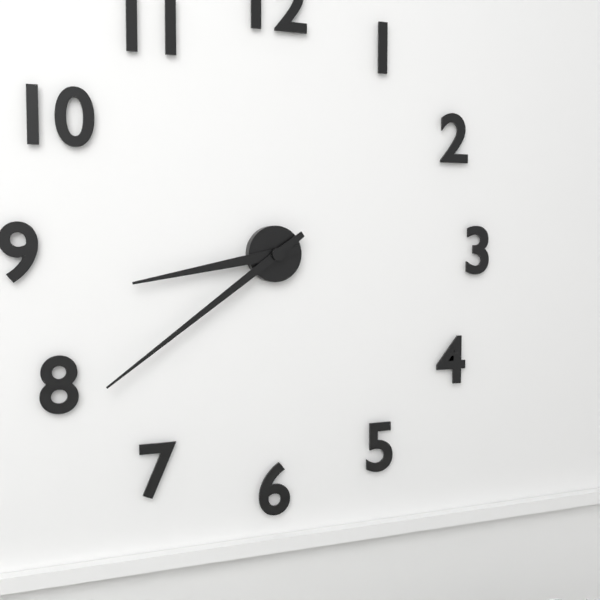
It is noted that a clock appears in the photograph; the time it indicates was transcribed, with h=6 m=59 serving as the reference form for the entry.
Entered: h=8 m=39
